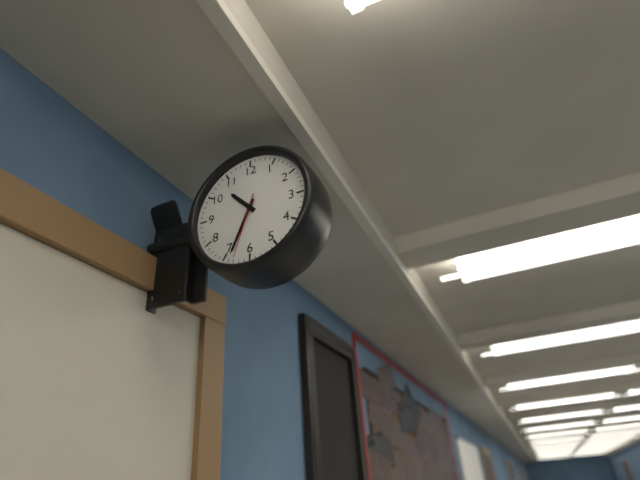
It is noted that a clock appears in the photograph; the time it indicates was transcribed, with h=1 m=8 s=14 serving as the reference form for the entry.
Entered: h=10 m=34 s=33
